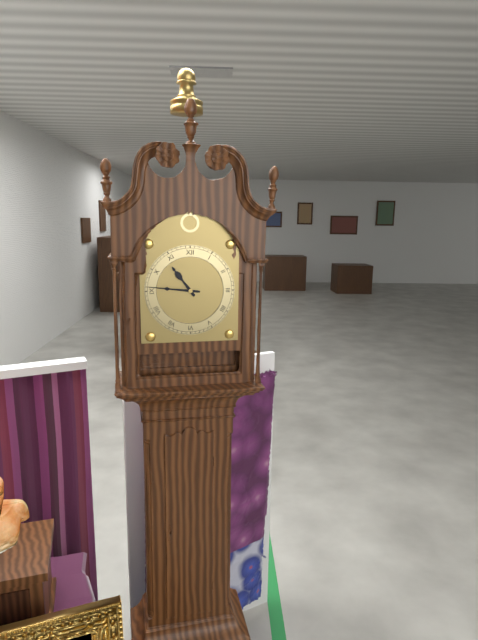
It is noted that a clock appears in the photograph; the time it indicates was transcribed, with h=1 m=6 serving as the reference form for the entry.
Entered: h=10 m=46
